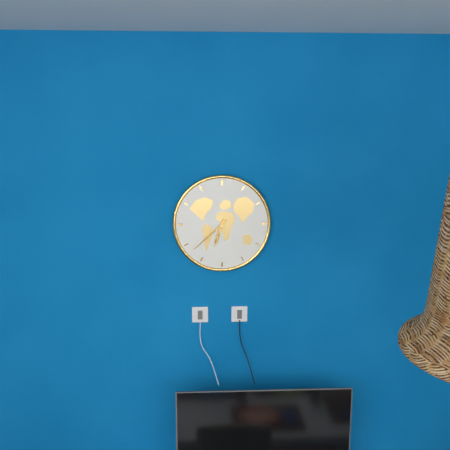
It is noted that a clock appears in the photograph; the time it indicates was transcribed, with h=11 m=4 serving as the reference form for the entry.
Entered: h=6 m=38
